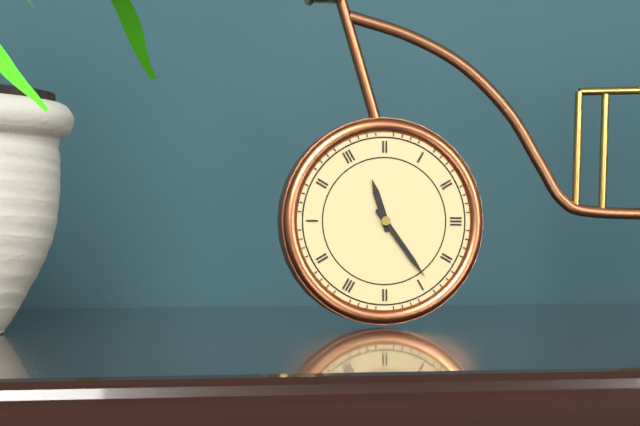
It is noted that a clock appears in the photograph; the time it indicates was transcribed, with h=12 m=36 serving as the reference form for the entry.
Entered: h=11 m=24
